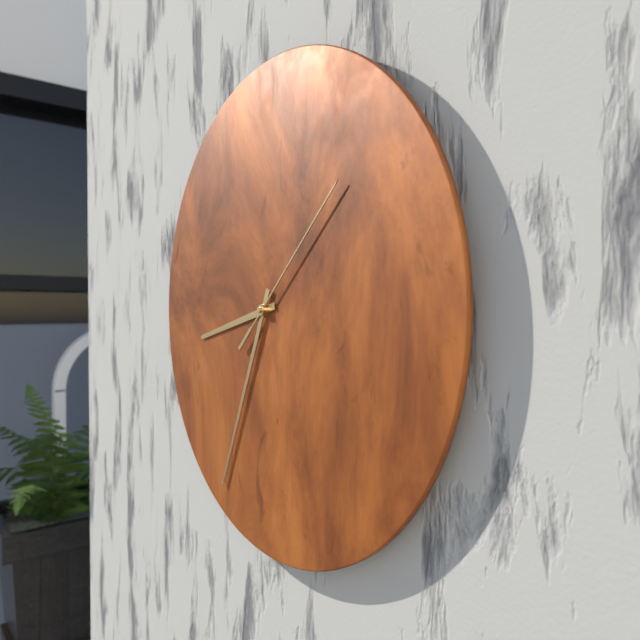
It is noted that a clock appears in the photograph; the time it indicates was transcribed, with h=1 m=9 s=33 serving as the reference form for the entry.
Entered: h=8 m=34 s=8
